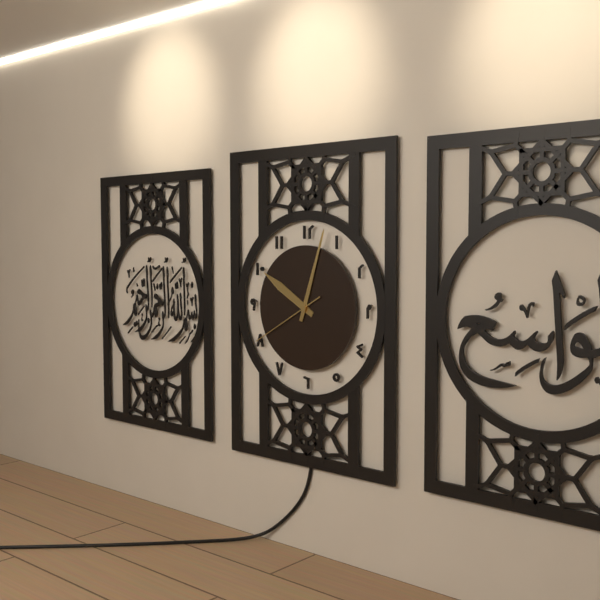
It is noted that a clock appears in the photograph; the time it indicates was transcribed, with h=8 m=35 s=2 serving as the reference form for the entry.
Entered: h=10 m=3 s=40
